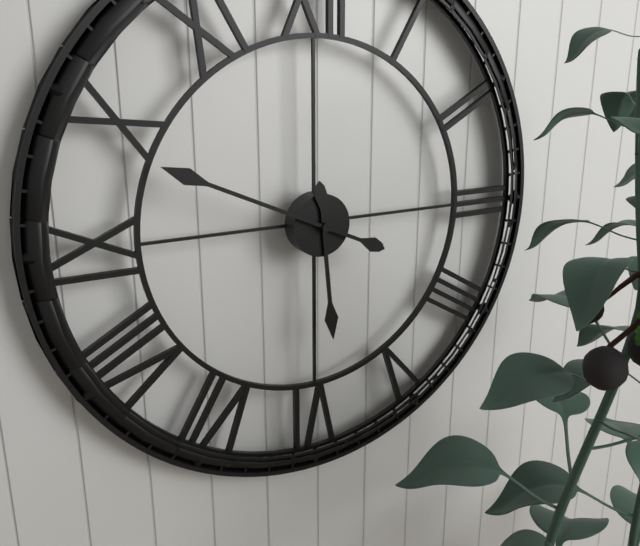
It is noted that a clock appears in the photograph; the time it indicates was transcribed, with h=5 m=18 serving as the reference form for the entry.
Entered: h=5 m=49
